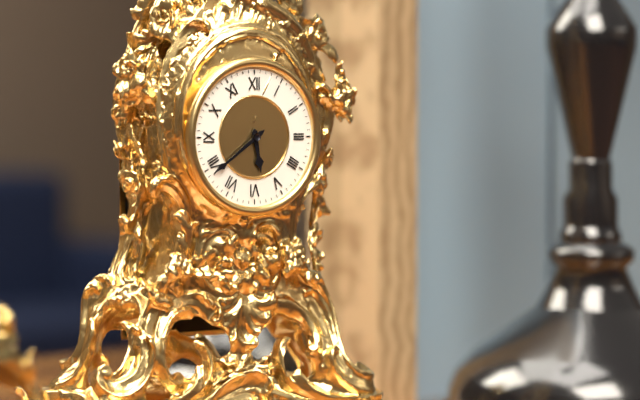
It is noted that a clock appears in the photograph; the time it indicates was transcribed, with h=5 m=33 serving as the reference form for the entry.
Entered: h=5 m=39
